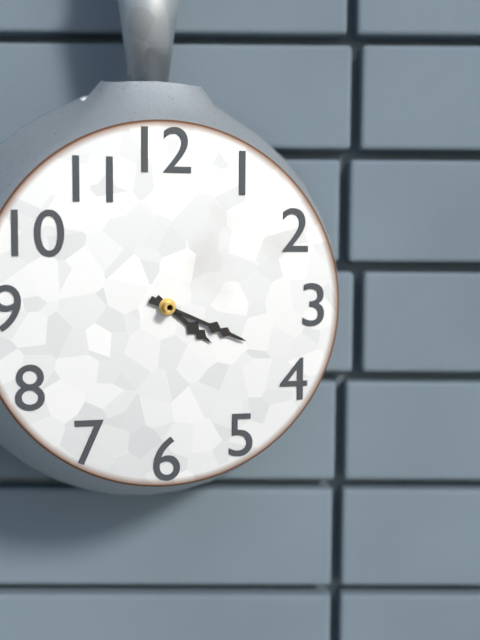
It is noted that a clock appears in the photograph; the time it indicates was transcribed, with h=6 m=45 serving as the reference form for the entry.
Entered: h=4 m=19
